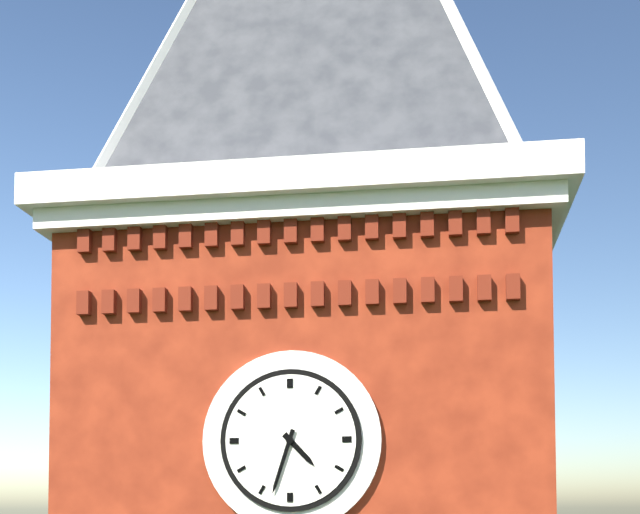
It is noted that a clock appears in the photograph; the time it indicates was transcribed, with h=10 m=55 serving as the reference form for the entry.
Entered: h=4 m=33
